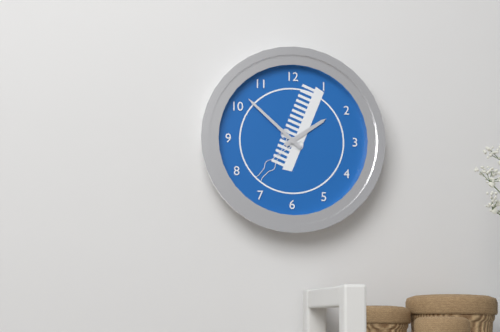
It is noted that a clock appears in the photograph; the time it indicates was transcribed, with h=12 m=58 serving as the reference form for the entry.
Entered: h=1 m=52
